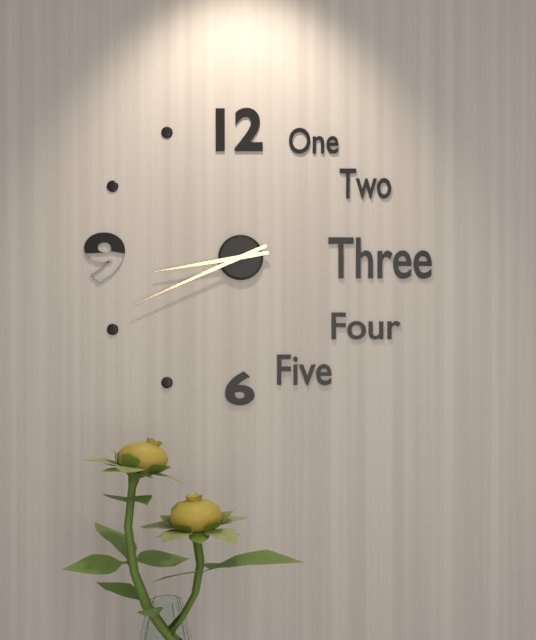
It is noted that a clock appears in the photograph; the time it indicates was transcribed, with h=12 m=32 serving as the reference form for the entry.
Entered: h=8 m=41
